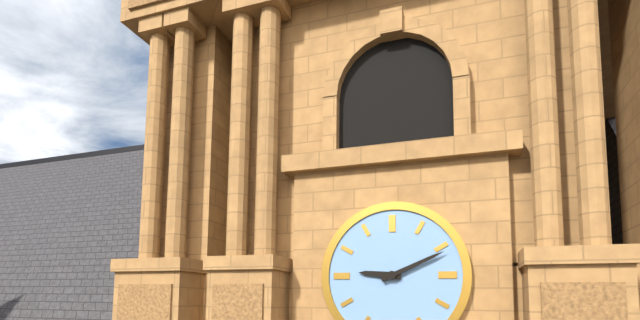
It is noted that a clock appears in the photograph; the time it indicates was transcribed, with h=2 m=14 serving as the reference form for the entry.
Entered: h=9 m=11
